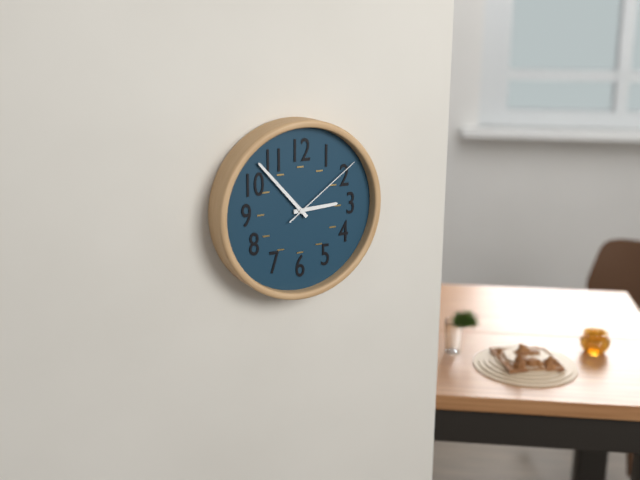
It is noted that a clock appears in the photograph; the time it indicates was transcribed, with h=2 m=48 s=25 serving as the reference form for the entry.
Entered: h=2 m=53 s=9
